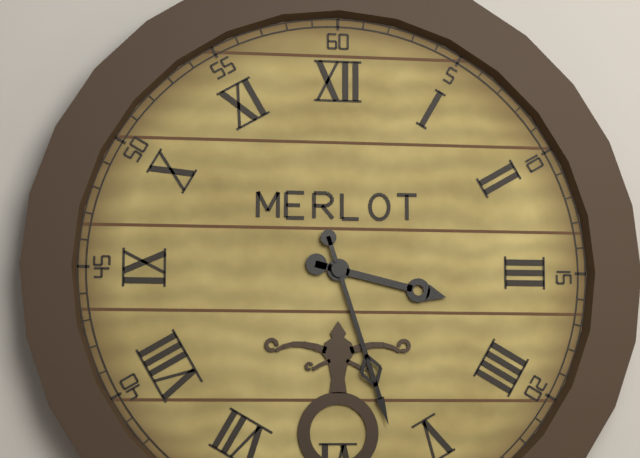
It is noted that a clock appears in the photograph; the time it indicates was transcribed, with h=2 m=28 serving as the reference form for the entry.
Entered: h=3 m=27
